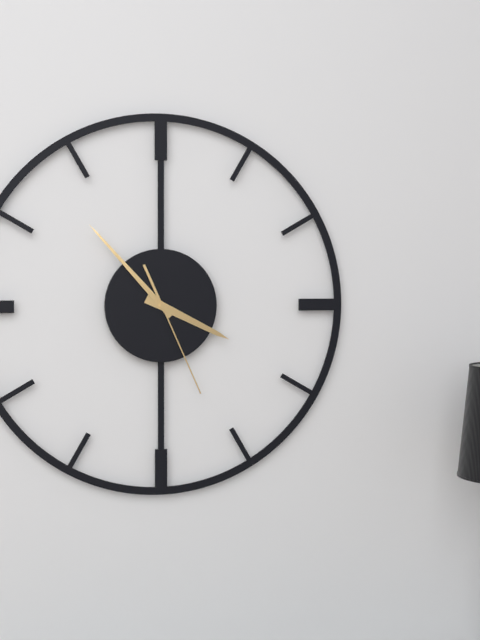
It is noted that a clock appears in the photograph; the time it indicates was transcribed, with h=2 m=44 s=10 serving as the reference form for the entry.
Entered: h=3 m=53 s=26
